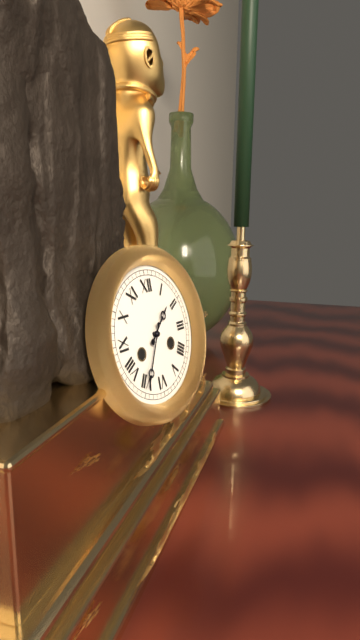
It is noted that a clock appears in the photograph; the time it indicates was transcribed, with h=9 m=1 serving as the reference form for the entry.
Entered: h=1 m=35
